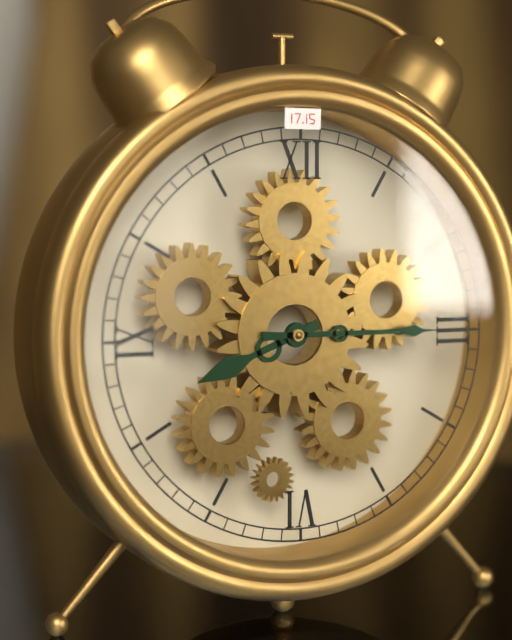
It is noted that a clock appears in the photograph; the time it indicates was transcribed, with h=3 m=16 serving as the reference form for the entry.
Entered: h=8 m=15
